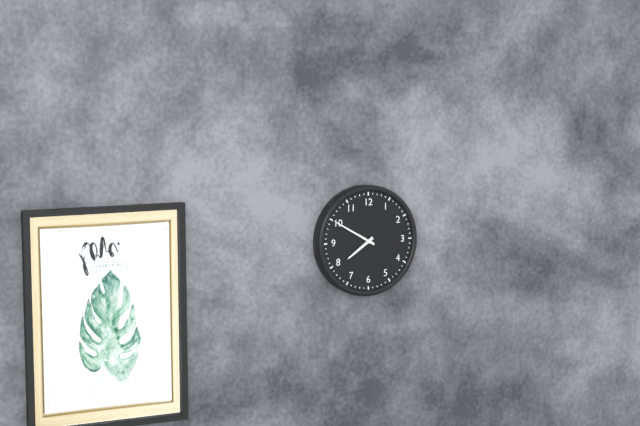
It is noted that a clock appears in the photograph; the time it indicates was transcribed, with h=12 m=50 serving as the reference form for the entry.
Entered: h=7 m=50
